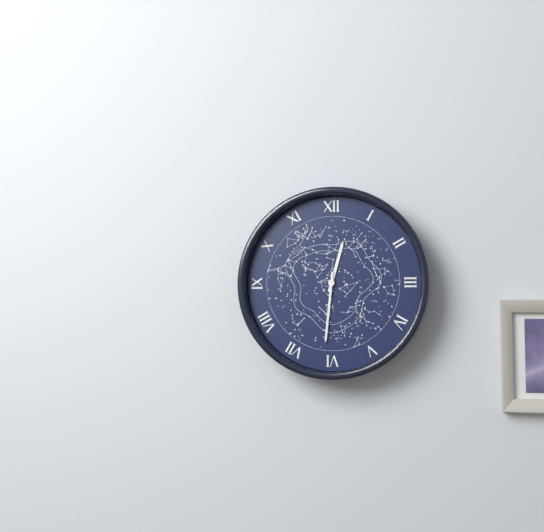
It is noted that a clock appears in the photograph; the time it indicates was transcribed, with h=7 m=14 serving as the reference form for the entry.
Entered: h=12 m=31
